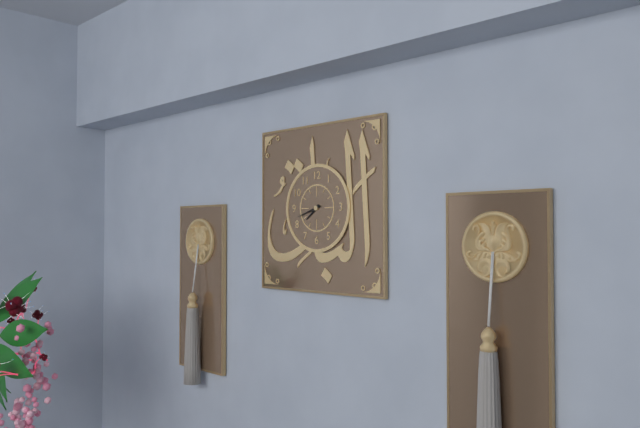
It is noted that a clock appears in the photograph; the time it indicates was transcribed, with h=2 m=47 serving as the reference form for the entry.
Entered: h=7 m=42
